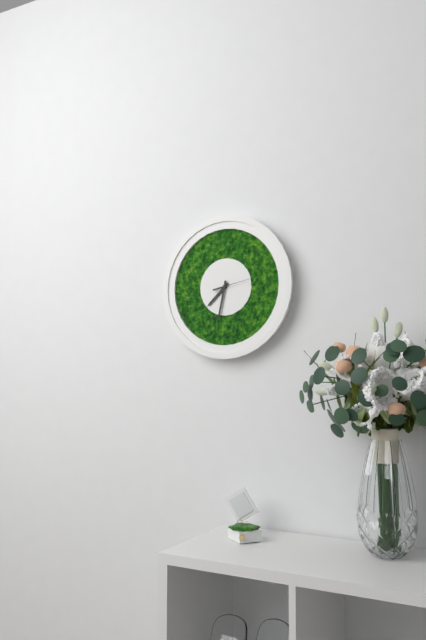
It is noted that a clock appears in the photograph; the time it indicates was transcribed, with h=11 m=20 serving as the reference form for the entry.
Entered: h=7 m=32
